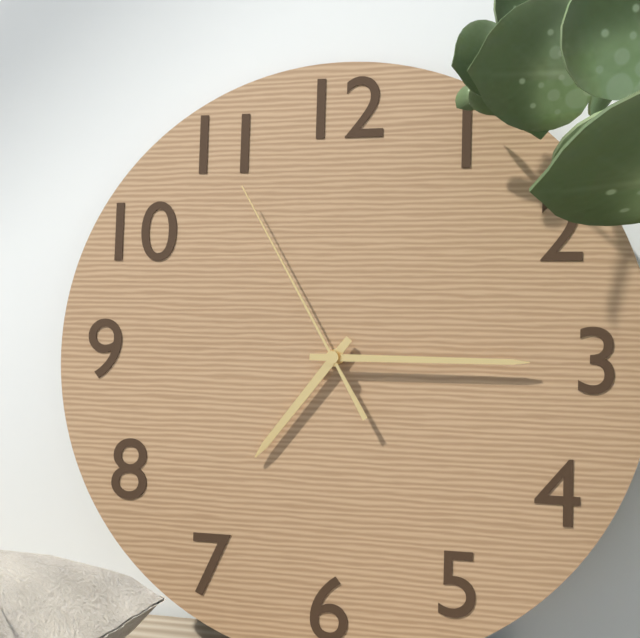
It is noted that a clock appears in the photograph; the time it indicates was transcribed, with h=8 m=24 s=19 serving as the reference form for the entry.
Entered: h=7 m=15 s=55
